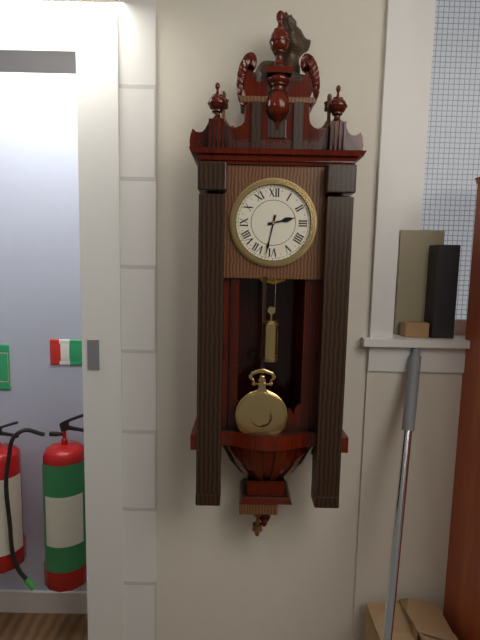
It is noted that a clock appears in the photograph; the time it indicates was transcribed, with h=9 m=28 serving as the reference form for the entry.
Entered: h=2 m=32
